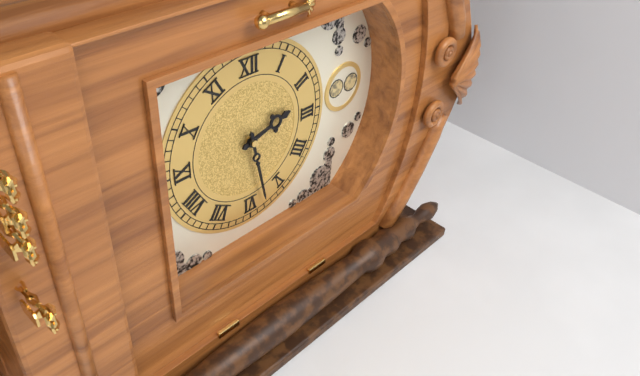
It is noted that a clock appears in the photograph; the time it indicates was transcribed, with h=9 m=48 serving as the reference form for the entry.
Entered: h=2 m=28
